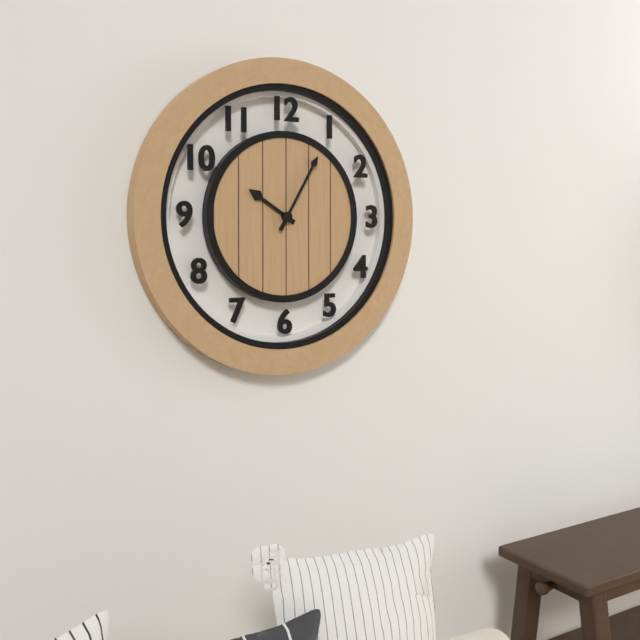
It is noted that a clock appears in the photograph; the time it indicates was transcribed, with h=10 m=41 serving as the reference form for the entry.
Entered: h=10 m=5
